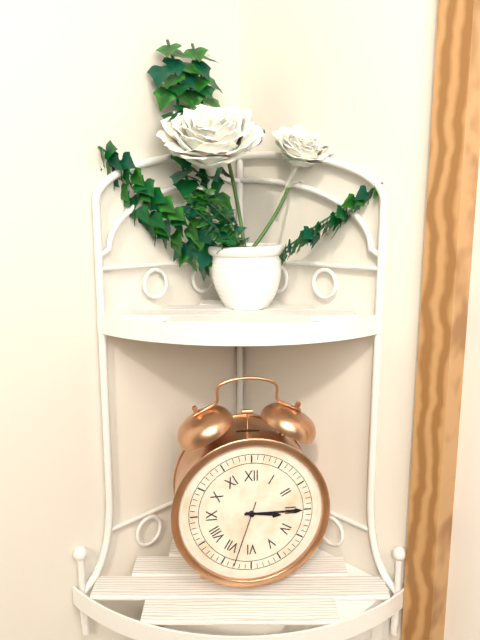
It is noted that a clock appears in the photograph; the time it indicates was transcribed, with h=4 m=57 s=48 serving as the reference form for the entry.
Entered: h=3 m=15 s=33
